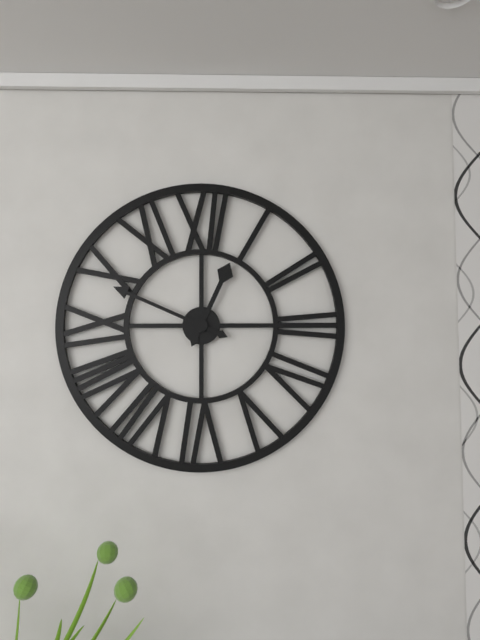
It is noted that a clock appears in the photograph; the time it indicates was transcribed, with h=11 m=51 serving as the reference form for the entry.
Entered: h=12 m=49
